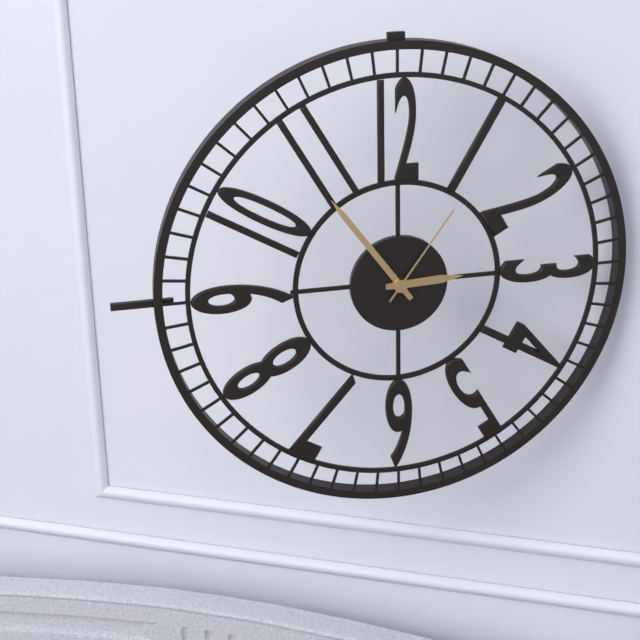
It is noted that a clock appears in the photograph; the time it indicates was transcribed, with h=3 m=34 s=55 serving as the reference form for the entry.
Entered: h=2 m=54 s=6
